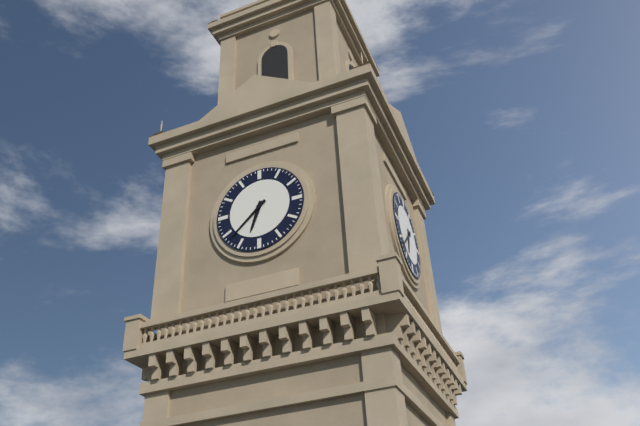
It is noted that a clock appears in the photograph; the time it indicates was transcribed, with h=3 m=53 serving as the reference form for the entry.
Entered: h=6 m=38
